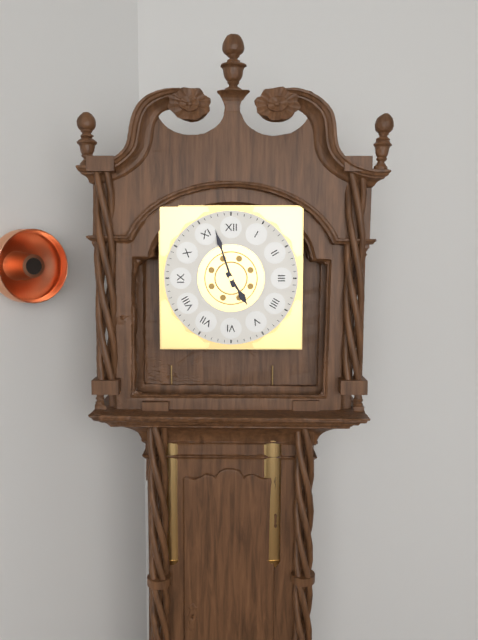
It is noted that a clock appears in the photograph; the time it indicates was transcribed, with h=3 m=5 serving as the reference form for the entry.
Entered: h=4 m=57
